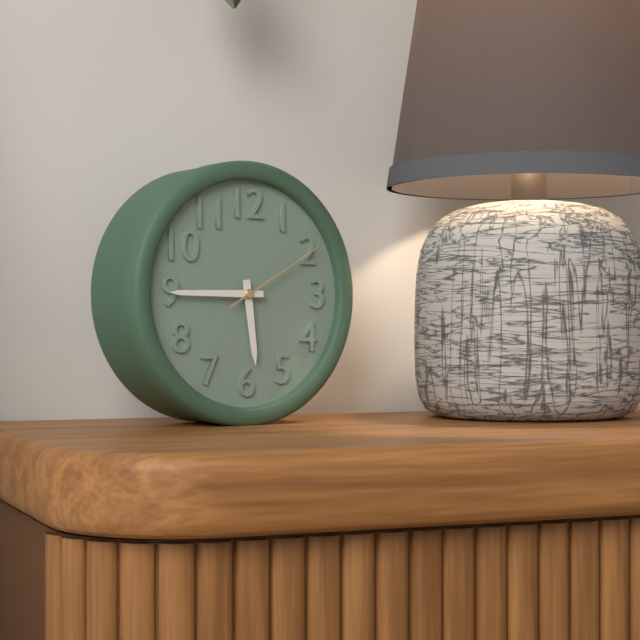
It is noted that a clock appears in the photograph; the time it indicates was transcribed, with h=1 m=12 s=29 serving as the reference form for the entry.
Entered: h=5 m=45 s=10
